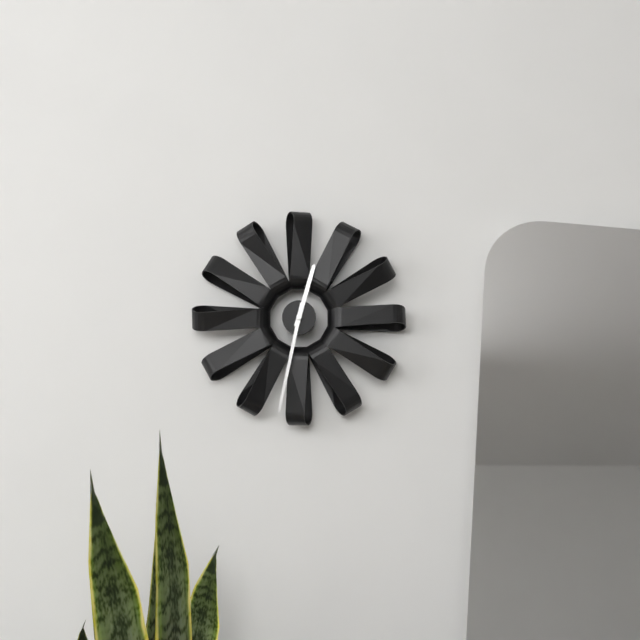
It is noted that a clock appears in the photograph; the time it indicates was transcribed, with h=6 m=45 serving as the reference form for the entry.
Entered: h=12 m=32
